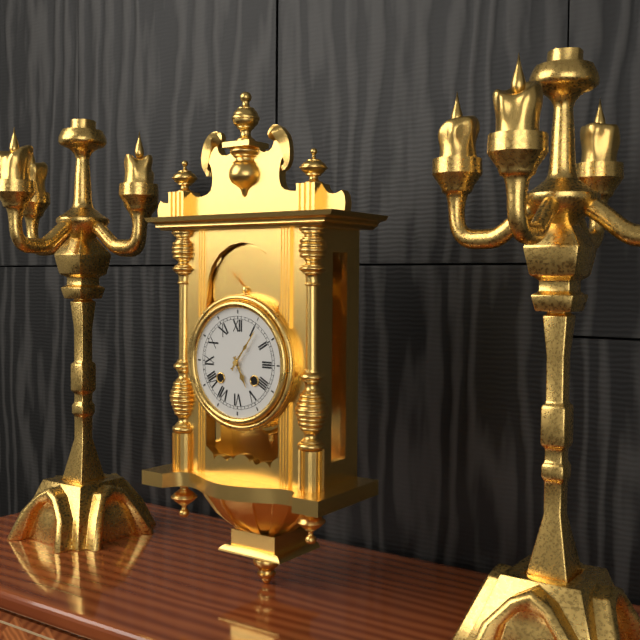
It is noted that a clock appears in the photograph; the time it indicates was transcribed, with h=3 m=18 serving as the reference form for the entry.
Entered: h=5 m=6
